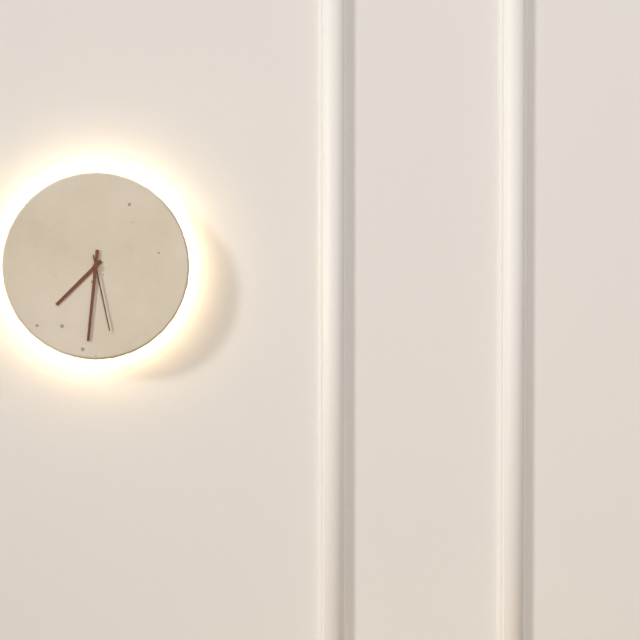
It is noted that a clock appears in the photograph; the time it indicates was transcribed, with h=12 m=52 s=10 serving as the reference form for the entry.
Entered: h=7 m=31 s=28
